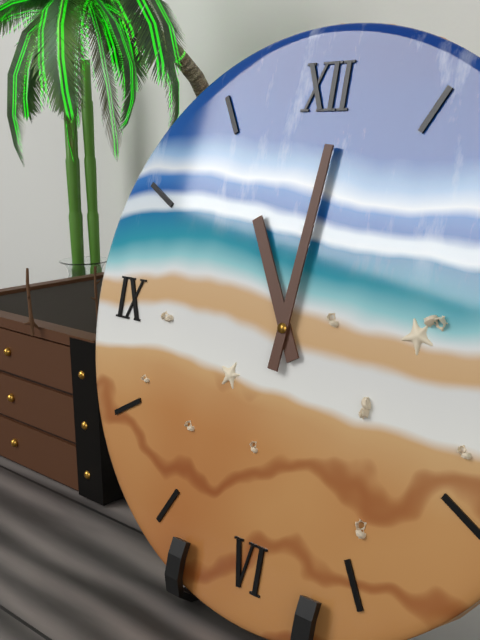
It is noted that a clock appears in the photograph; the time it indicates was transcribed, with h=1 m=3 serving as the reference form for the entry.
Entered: h=11 m=1
